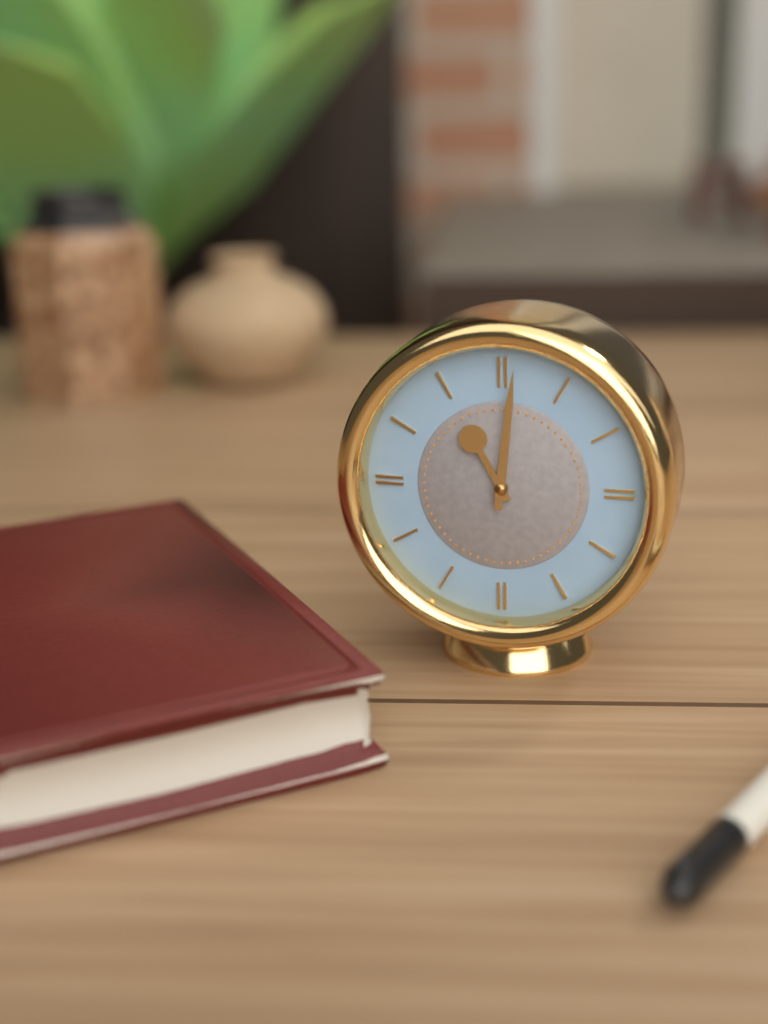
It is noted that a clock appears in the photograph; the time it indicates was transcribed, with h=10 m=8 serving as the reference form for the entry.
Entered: h=11 m=1
